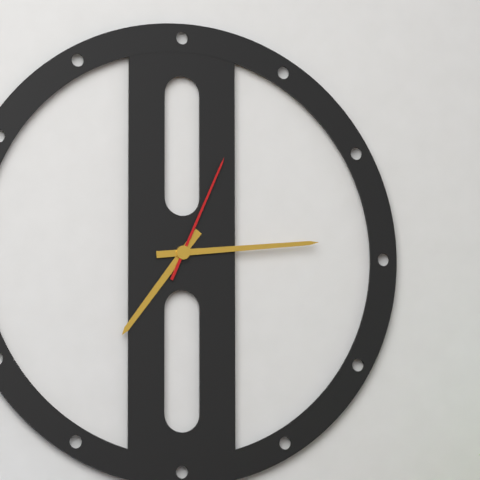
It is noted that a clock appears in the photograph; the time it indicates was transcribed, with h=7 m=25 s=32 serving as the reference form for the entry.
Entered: h=7 m=14 s=4
